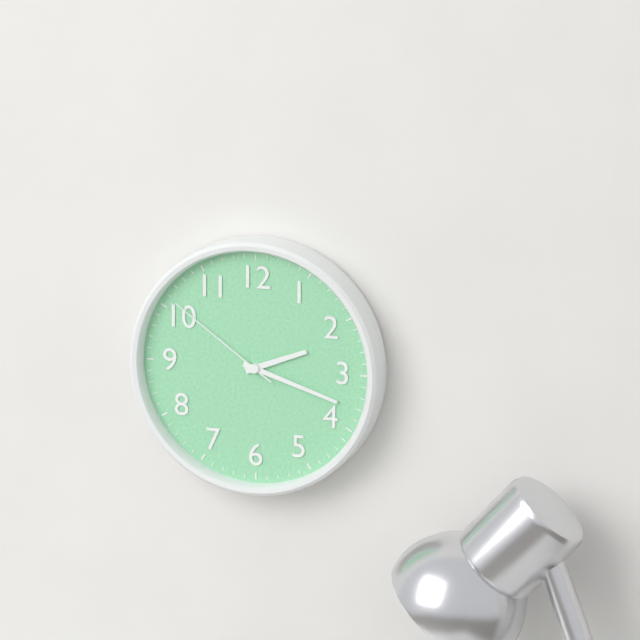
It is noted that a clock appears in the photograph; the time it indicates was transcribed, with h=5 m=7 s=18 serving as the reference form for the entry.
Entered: h=2 m=18 s=51
